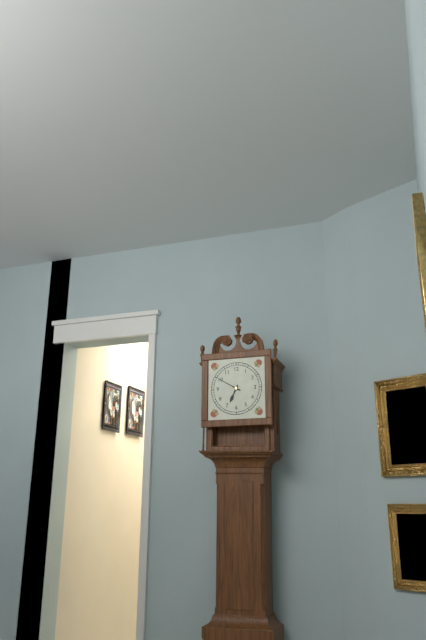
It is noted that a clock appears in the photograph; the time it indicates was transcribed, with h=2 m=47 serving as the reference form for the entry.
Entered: h=6 m=50
